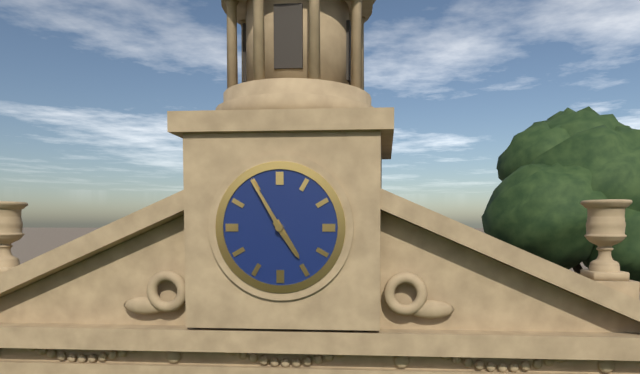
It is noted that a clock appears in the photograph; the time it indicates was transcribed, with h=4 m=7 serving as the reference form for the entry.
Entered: h=4 m=55
